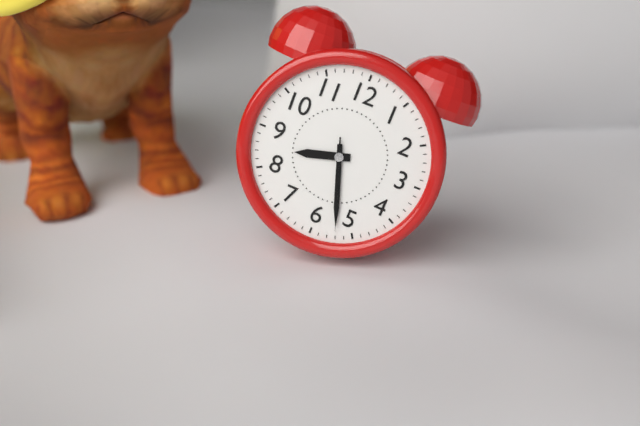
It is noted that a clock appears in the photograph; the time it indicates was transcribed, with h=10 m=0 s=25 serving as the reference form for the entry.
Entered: h=8 m=27 s=27
